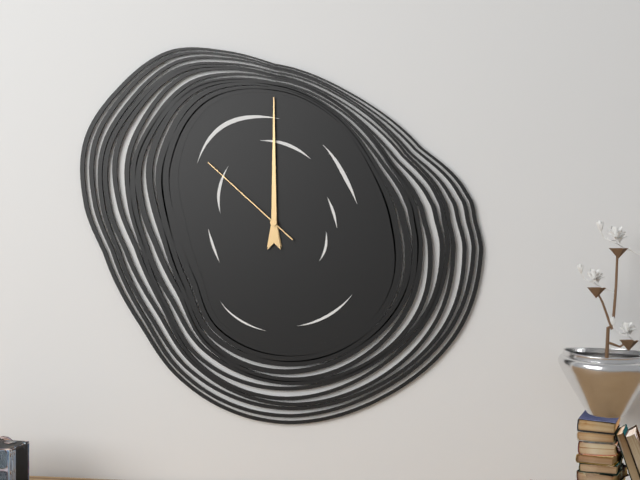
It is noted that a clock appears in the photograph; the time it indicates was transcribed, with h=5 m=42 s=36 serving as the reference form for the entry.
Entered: h=12 m=0 s=52
